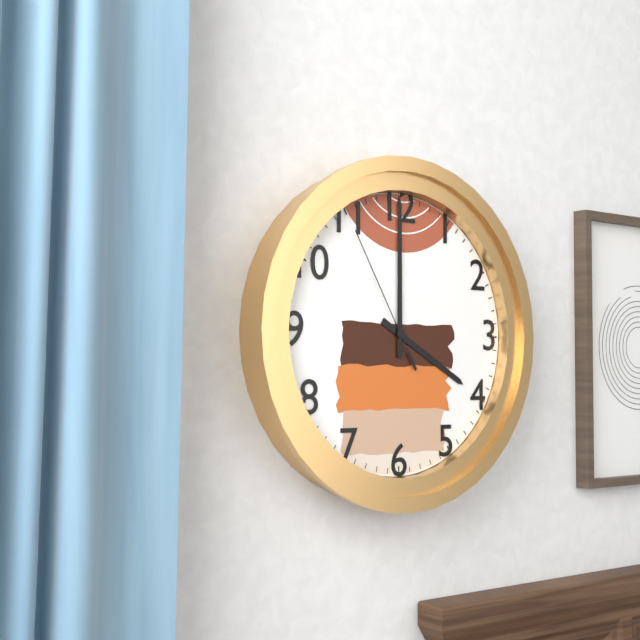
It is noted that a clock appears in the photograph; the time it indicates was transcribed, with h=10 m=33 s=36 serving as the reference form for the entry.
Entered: h=4 m=0 s=55
